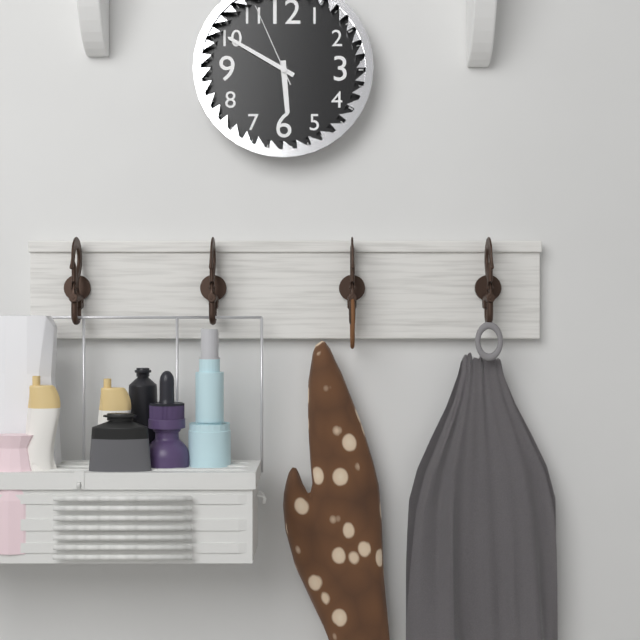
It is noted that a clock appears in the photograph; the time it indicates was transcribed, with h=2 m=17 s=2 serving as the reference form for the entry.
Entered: h=5 m=50 s=56
